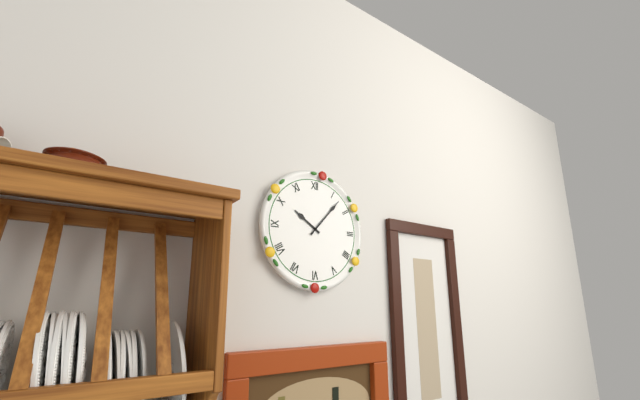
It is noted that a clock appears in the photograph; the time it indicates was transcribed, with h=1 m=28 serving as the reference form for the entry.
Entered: h=10 m=7
